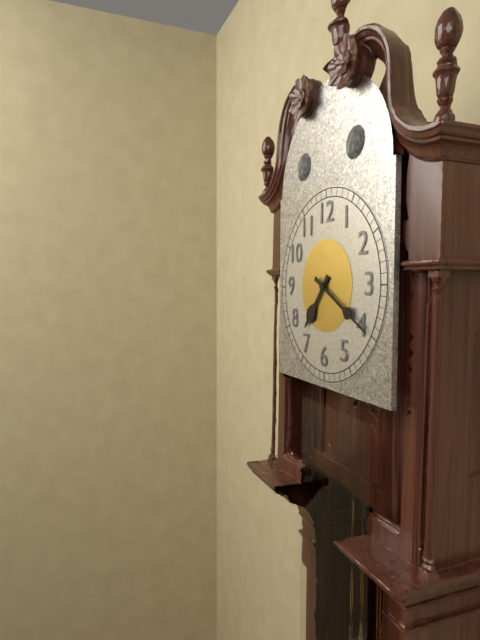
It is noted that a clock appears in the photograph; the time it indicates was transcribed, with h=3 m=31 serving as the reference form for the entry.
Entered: h=7 m=20
